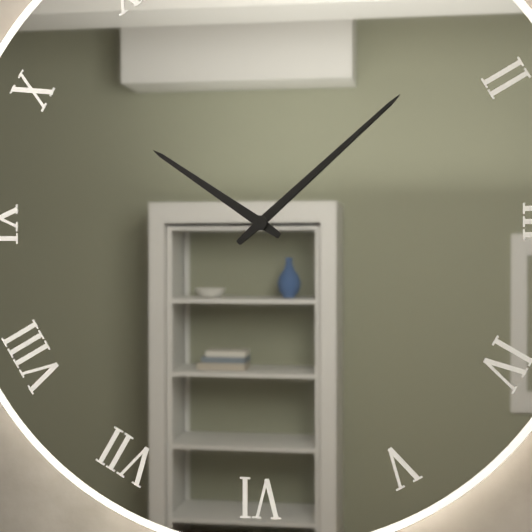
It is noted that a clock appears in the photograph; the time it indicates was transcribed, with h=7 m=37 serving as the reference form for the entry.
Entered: h=10 m=8
